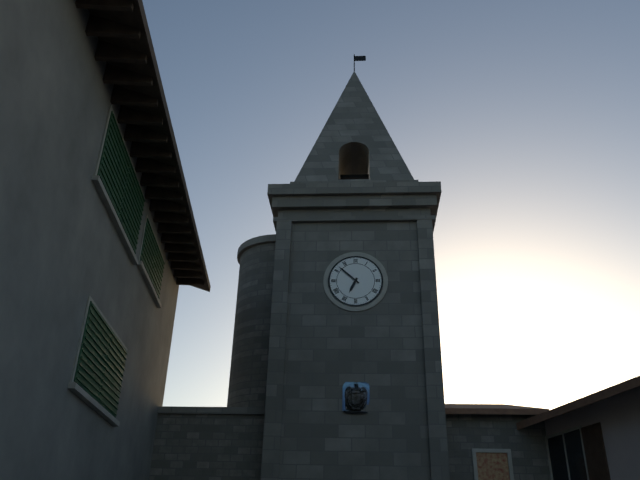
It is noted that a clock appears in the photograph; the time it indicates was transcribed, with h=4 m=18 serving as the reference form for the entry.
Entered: h=6 m=52
